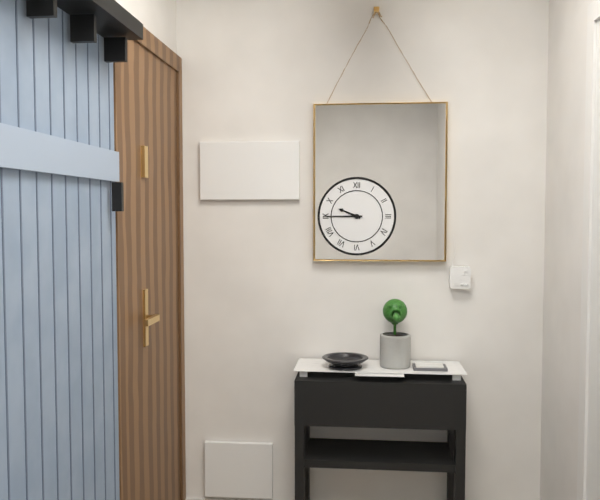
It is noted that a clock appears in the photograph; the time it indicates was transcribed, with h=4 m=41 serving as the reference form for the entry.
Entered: h=9 m=45
